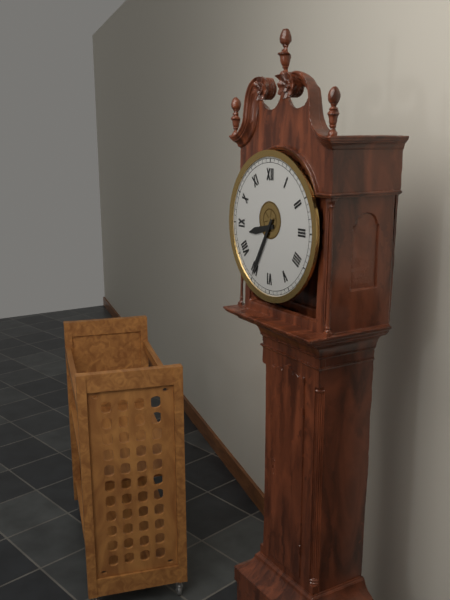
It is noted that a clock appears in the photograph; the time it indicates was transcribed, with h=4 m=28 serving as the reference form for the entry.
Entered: h=8 m=35
